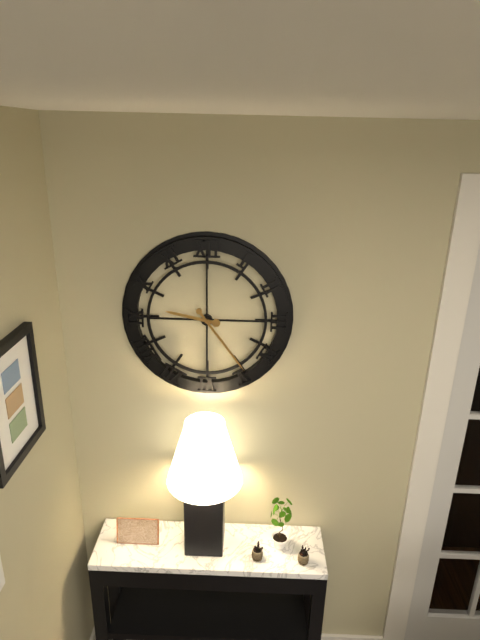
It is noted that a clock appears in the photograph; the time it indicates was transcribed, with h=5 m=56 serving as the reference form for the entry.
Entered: h=9 m=24
